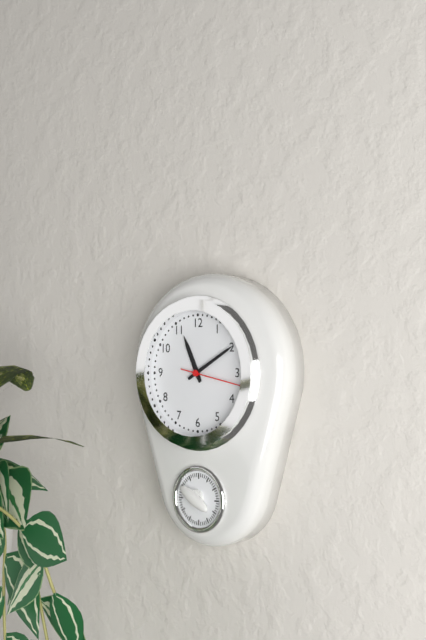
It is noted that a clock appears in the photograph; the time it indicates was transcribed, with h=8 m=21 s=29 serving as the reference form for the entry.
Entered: h=11 m=10 s=17
